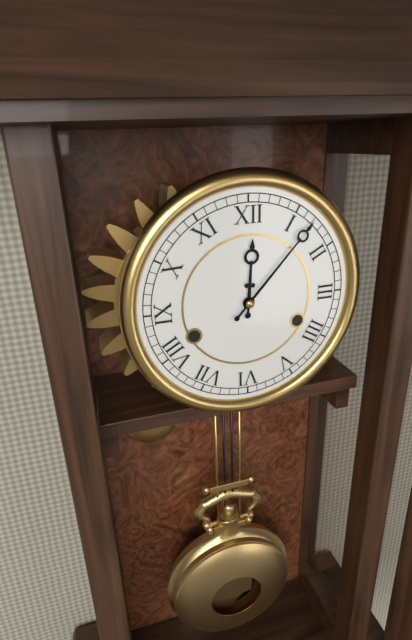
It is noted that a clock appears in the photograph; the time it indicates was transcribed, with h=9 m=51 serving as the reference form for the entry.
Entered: h=12 m=7
